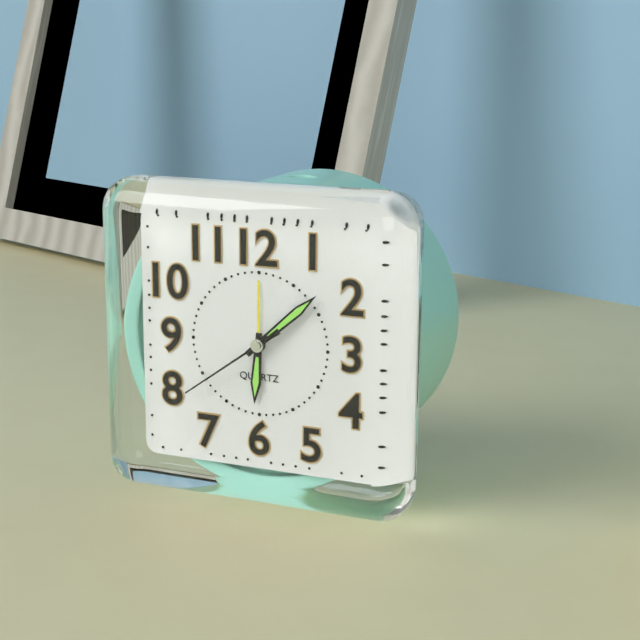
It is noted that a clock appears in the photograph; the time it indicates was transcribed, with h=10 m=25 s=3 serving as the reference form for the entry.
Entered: h=6 m=8 s=39
